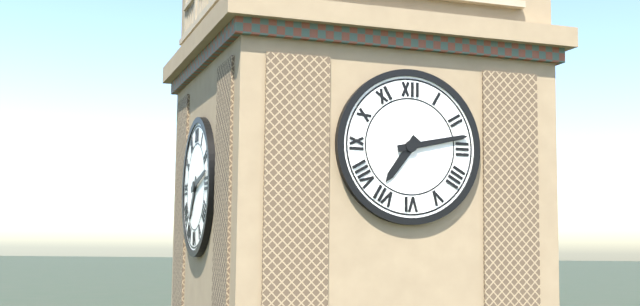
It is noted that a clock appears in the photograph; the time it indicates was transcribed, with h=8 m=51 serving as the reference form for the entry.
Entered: h=7 m=13
